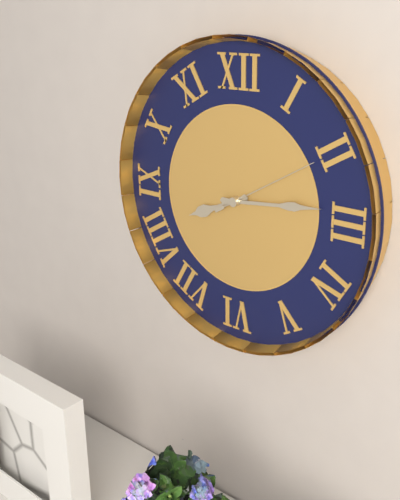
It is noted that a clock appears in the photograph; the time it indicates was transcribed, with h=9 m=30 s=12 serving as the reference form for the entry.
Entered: h=8 m=14 s=10
